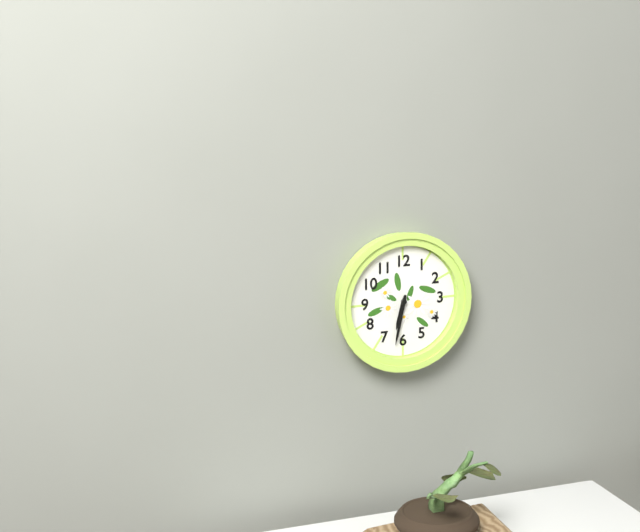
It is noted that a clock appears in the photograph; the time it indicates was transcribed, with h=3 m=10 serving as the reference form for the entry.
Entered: h=6 m=32
